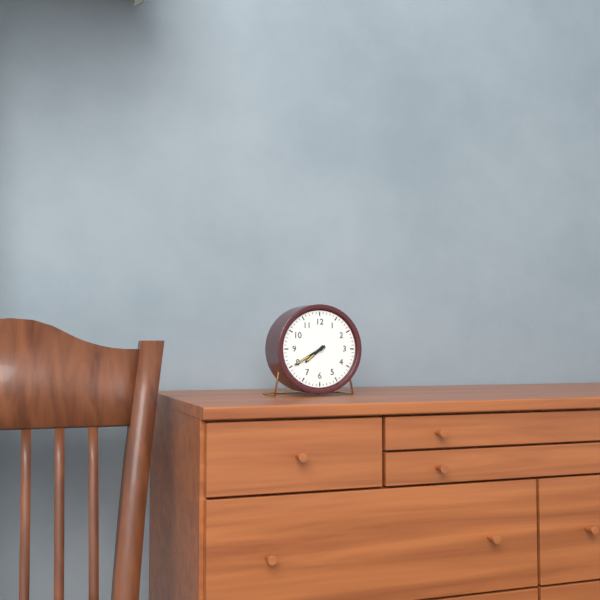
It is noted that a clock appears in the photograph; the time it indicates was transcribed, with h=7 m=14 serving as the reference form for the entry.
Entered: h=7 m=40
